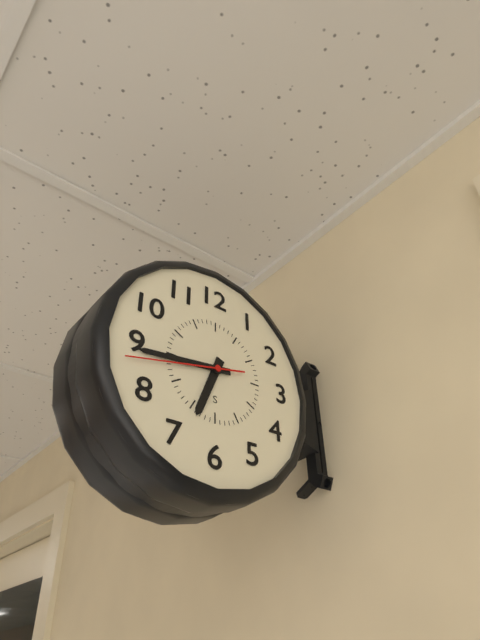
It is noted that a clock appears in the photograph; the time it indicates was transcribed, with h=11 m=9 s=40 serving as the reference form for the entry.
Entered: h=6 m=44 s=43
